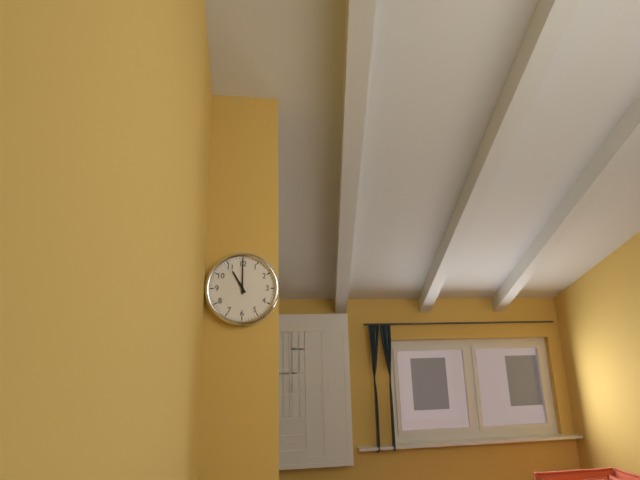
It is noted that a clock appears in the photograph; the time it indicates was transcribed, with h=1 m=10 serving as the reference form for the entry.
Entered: h=11 m=0
